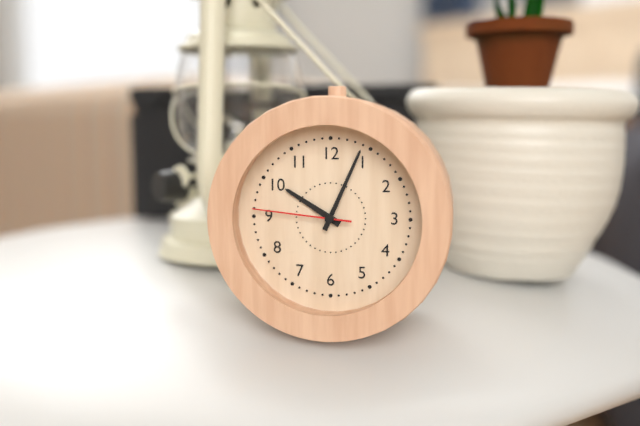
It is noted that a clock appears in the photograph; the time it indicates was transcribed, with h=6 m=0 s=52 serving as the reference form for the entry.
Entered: h=10 m=4 s=46
